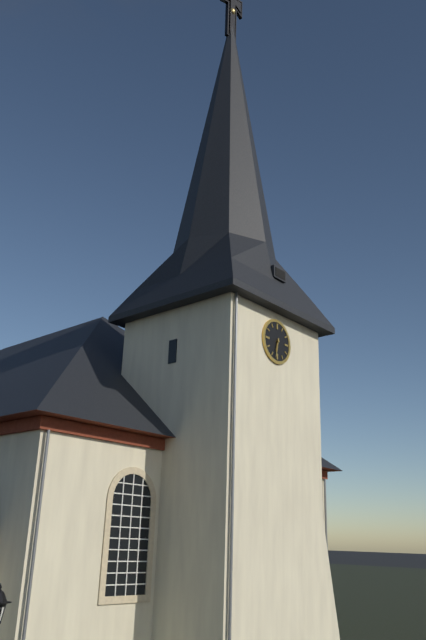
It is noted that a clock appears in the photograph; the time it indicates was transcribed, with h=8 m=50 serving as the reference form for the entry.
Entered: h=6 m=32
